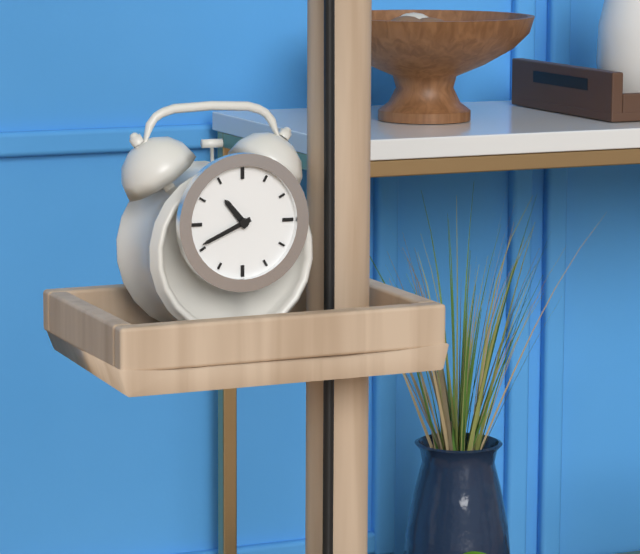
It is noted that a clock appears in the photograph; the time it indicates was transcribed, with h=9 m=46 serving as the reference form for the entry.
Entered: h=10 m=41
